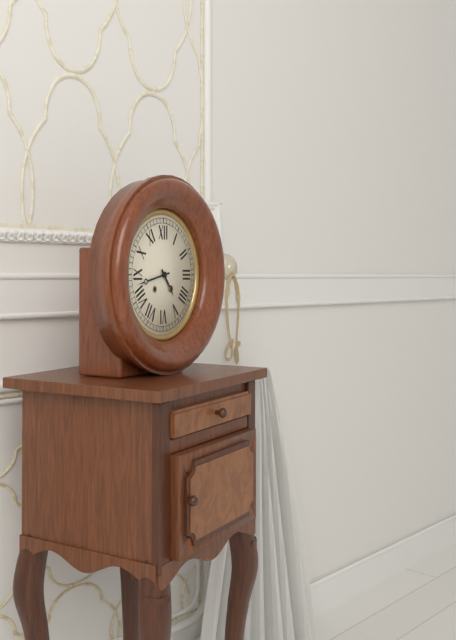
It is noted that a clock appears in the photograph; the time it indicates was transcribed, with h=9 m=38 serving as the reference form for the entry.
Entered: h=4 m=43
